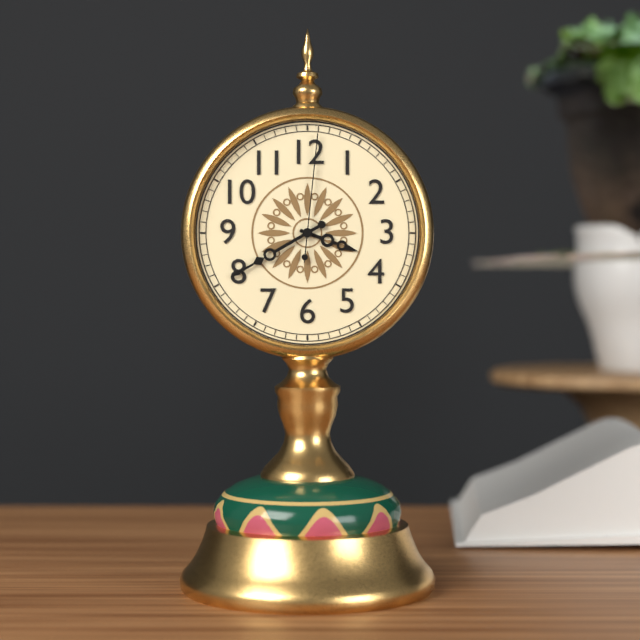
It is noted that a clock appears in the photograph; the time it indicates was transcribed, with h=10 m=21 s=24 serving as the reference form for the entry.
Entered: h=3 m=40 s=1
